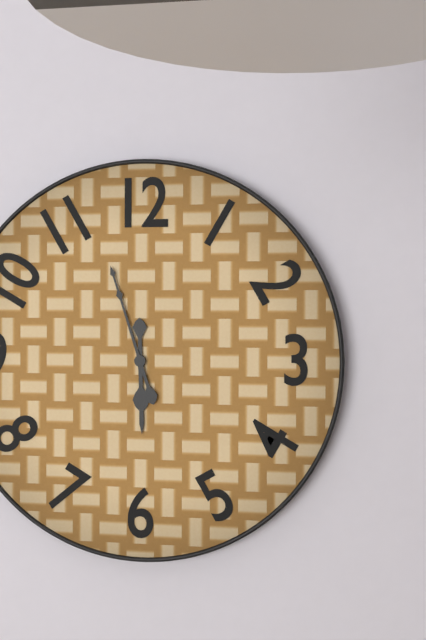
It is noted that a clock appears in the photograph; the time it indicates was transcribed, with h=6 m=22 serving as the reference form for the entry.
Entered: h=5 m=57
